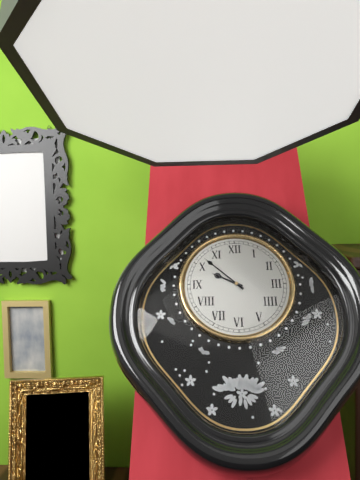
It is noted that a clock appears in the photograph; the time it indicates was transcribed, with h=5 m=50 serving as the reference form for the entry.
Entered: h=9 m=52
